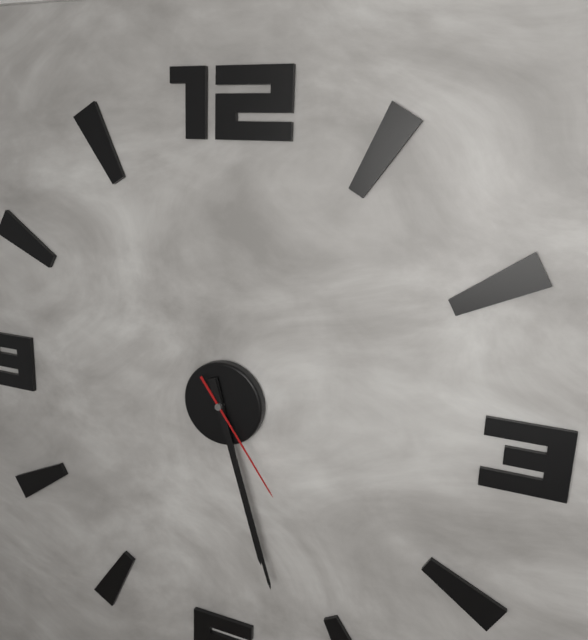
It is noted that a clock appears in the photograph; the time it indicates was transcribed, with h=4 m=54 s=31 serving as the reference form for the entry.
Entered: h=5 m=27 s=24
